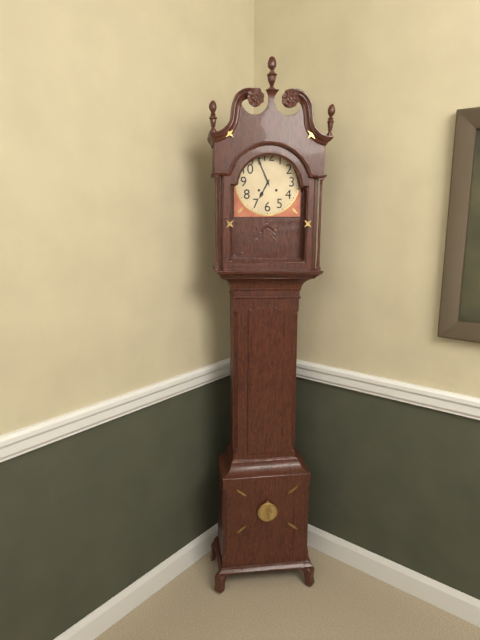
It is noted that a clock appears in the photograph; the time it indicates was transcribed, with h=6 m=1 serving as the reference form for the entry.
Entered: h=6 m=56
